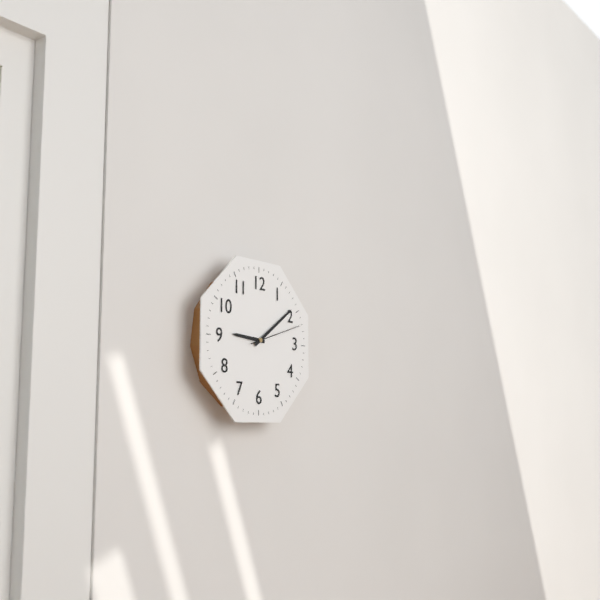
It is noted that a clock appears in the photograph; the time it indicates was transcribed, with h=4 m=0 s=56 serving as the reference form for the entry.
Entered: h=9 m=9 s=12
